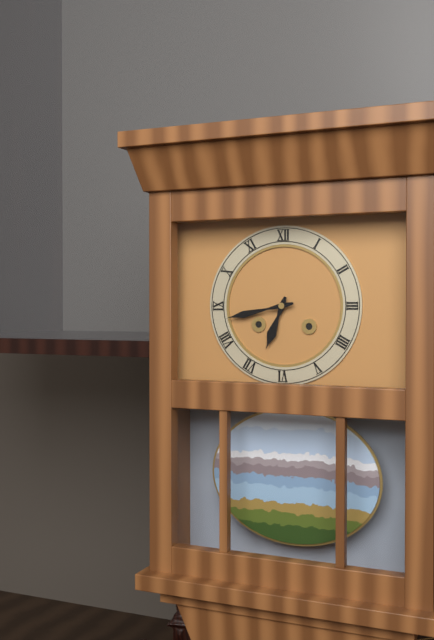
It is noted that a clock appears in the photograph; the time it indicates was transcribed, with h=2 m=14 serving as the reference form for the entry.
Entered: h=6 m=43
